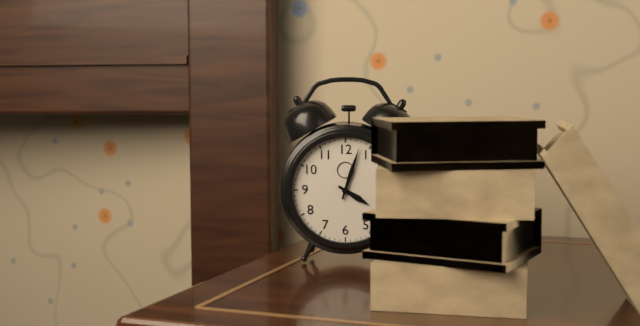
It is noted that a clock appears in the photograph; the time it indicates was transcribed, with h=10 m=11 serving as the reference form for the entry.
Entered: h=4 m=3
